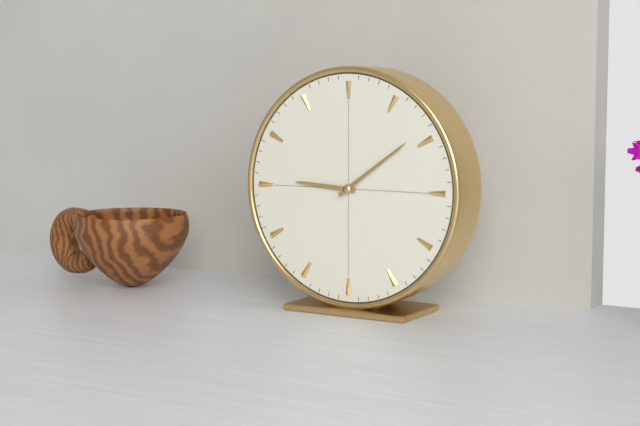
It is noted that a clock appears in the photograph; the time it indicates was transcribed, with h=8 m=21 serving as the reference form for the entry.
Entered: h=9 m=9
